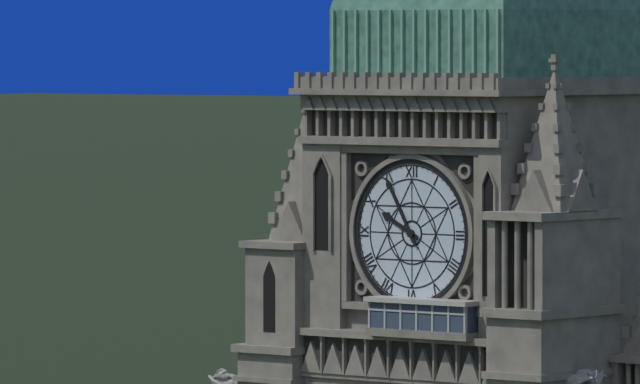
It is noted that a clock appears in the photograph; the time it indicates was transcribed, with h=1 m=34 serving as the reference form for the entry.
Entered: h=9 m=55
